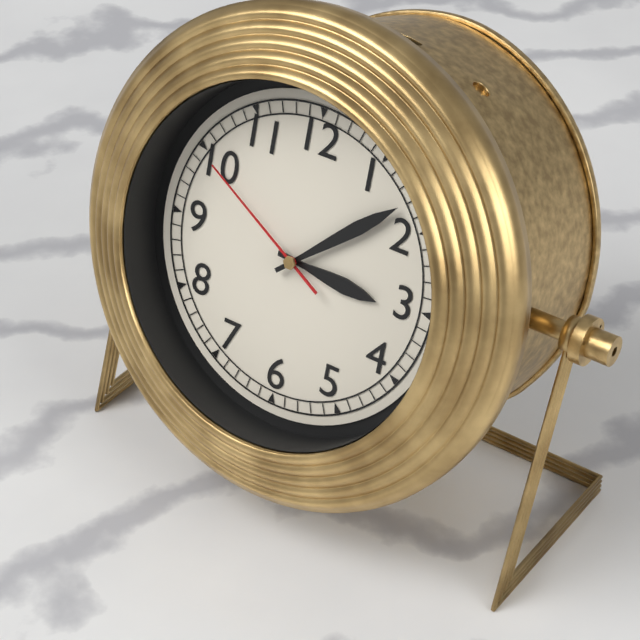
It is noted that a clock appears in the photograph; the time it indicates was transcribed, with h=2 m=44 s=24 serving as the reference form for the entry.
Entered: h=3 m=8 s=50
